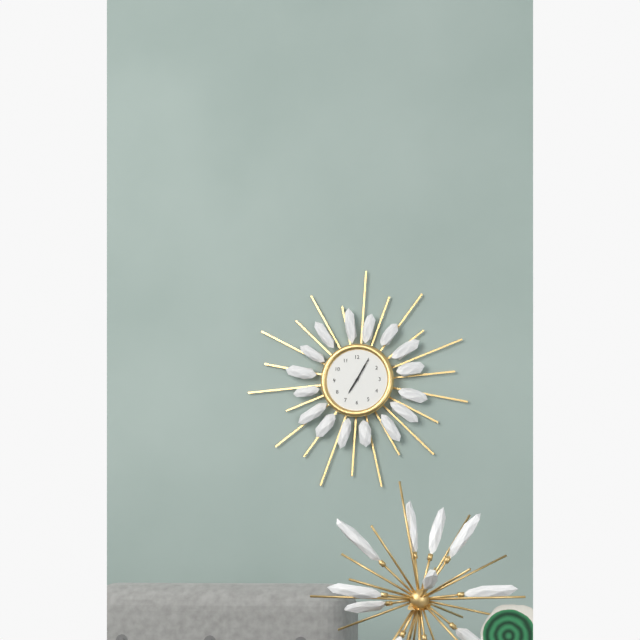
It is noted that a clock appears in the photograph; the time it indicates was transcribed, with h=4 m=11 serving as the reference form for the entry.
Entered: h=7 m=5
